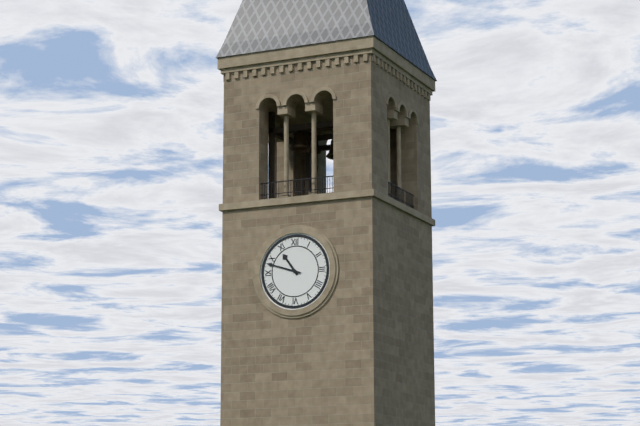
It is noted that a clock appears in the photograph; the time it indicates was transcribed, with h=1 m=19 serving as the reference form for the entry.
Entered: h=10 m=48
